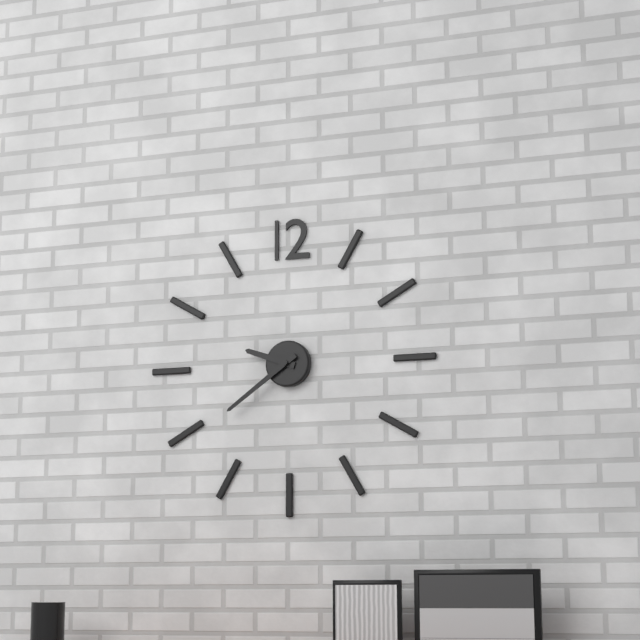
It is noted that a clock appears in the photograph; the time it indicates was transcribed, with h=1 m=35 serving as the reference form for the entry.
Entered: h=9 m=39
